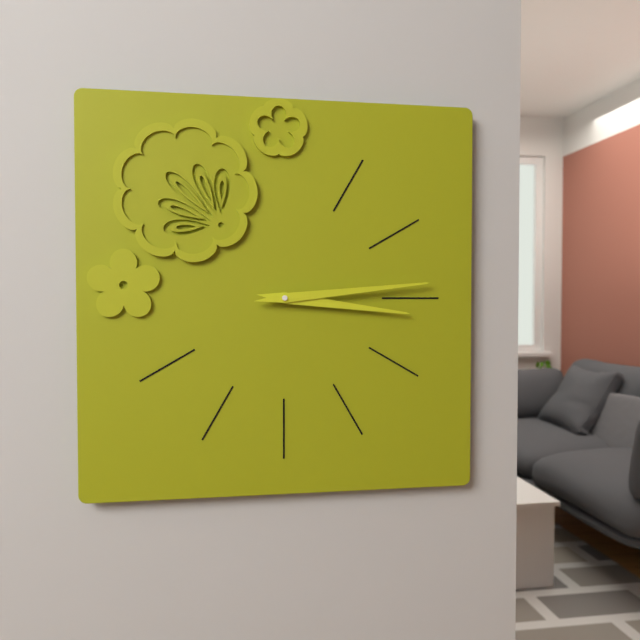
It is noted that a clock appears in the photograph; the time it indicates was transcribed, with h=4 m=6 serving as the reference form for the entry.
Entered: h=3 m=14
